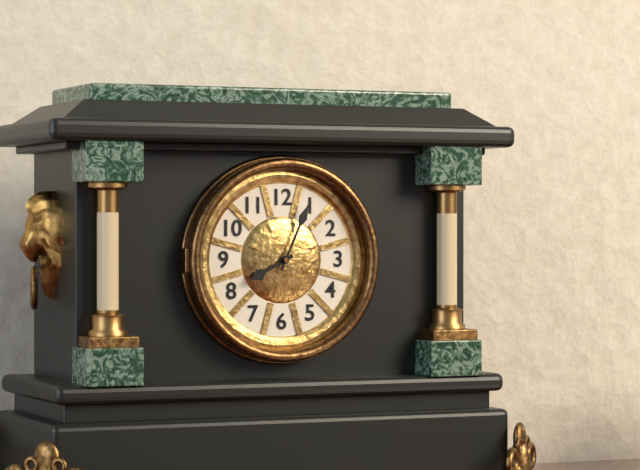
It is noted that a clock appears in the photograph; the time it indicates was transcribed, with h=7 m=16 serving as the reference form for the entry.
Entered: h=8 m=4
